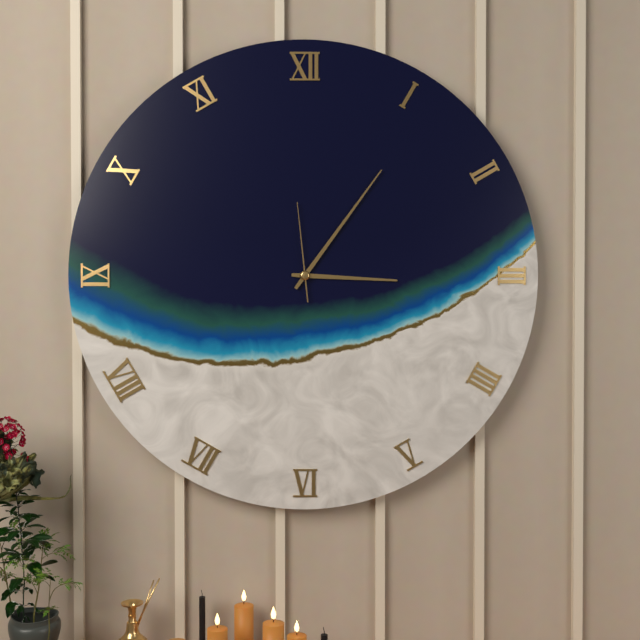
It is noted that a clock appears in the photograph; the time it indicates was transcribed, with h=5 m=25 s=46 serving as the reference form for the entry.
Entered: h=3 m=6 s=59
